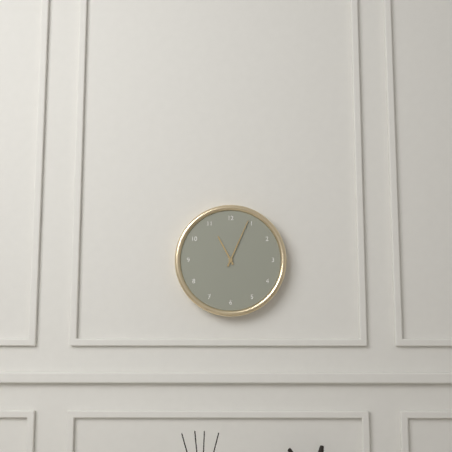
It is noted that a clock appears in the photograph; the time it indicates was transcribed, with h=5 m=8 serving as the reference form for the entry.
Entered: h=11 m=4
